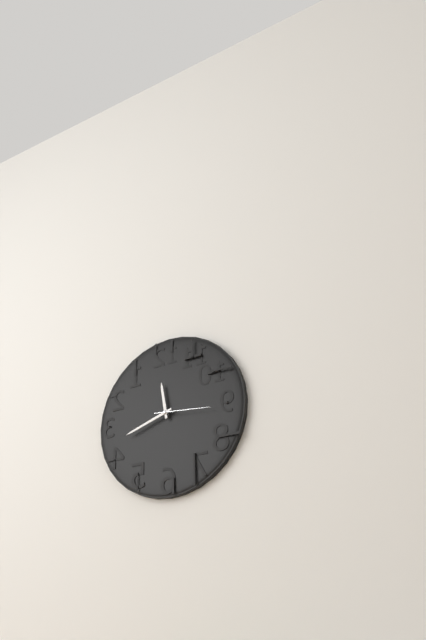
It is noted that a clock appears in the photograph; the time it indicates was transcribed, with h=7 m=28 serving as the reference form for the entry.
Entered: h=11 m=42
